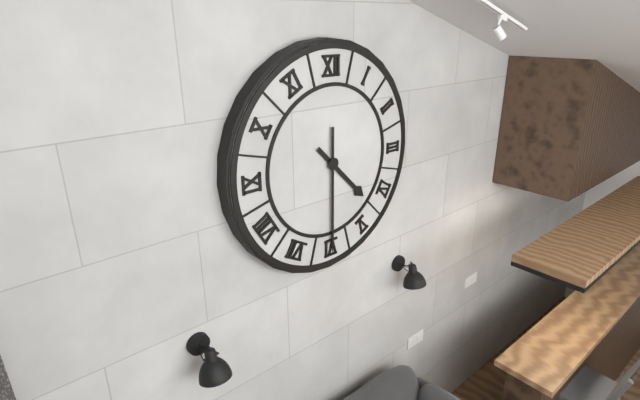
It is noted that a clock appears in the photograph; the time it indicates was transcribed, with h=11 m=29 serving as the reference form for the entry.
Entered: h=4 m=30
